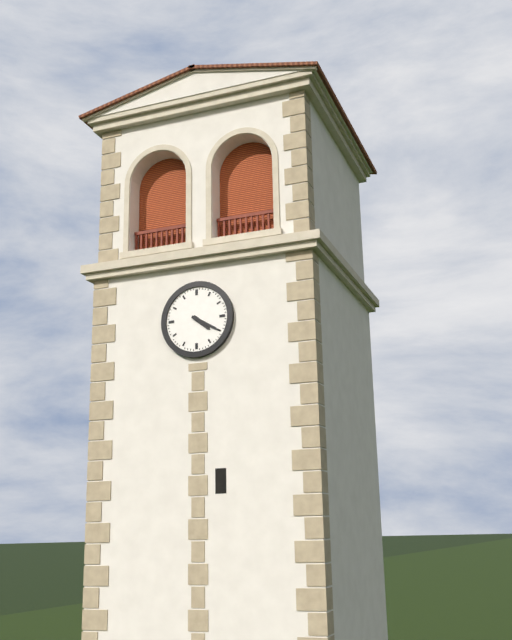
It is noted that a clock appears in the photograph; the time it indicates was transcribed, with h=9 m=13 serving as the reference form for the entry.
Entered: h=4 m=20
